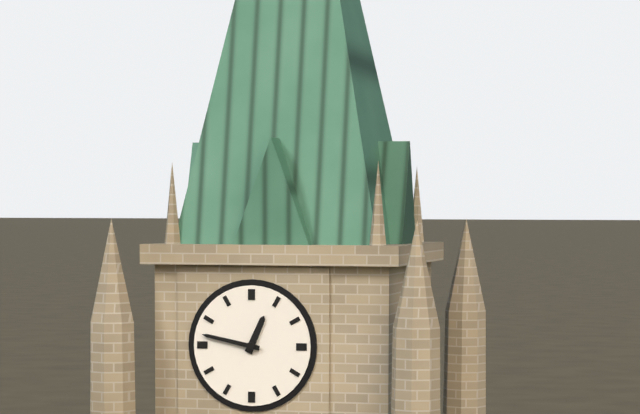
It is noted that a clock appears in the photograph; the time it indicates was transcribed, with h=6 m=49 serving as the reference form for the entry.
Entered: h=12 m=47
